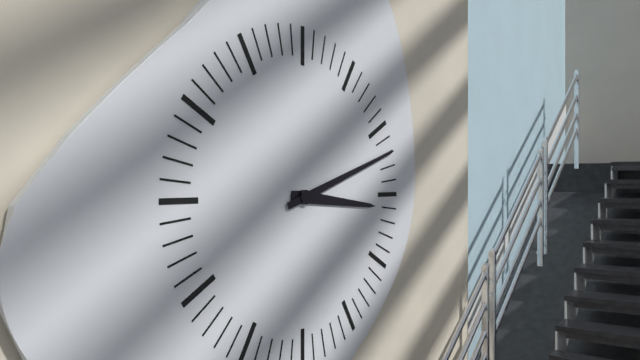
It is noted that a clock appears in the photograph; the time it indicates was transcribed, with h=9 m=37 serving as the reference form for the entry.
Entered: h=3 m=12
